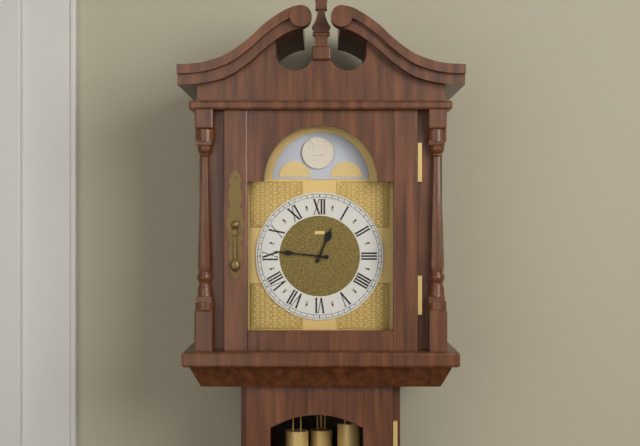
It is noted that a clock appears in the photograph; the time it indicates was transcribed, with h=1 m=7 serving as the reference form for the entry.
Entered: h=12 m=46
